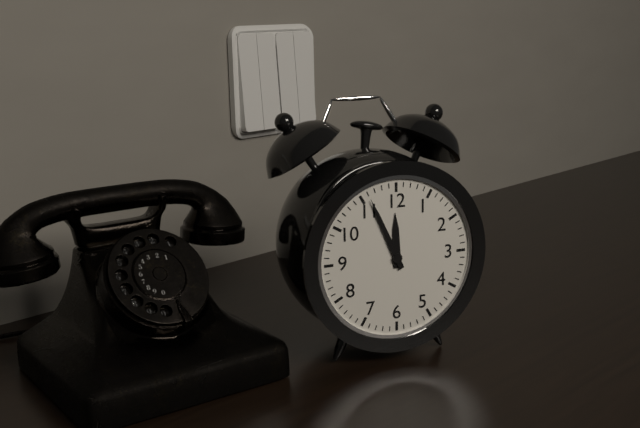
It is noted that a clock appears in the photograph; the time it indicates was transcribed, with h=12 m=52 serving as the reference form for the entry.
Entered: h=11 m=56
